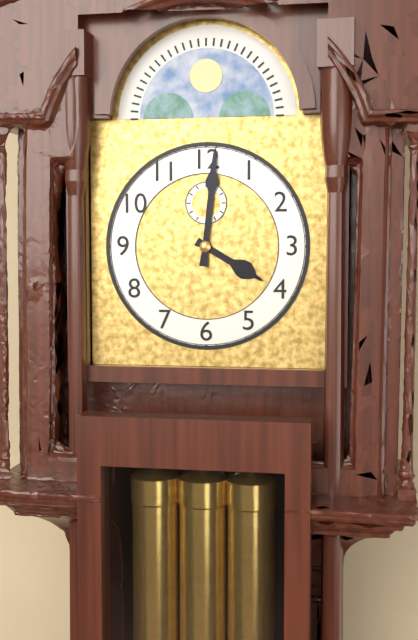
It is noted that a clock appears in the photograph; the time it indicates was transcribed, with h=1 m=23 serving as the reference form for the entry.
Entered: h=4 m=1
